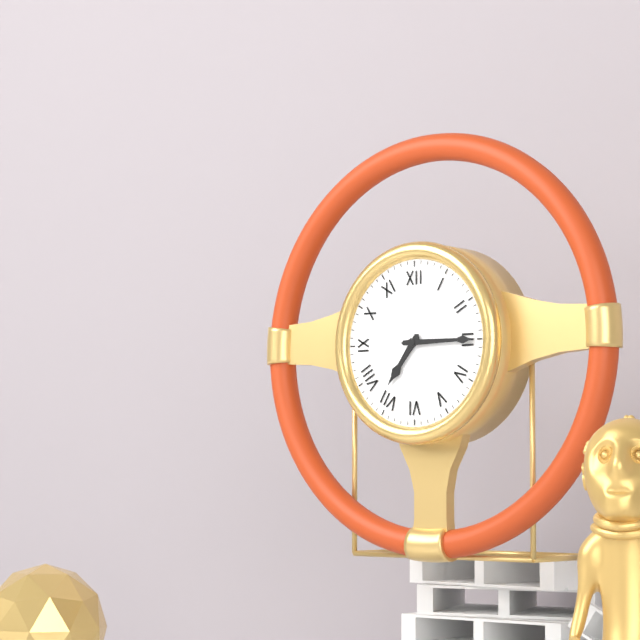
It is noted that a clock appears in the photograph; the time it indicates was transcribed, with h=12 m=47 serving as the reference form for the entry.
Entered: h=7 m=15
